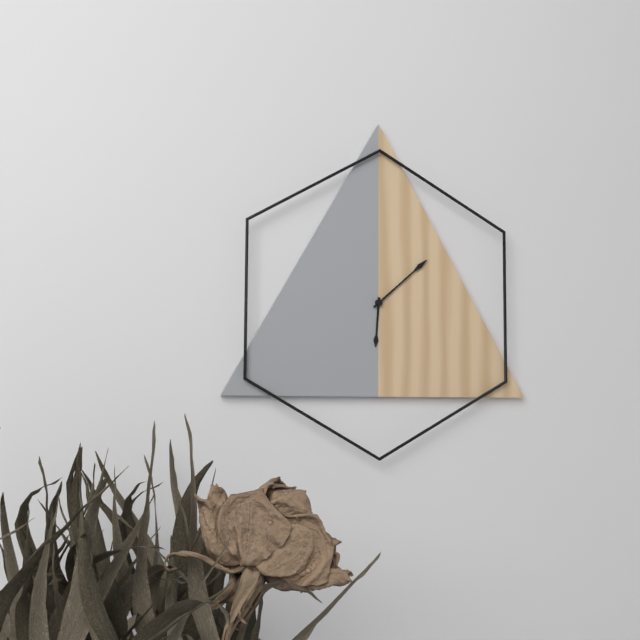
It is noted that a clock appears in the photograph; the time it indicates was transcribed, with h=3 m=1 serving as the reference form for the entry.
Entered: h=6 m=8
